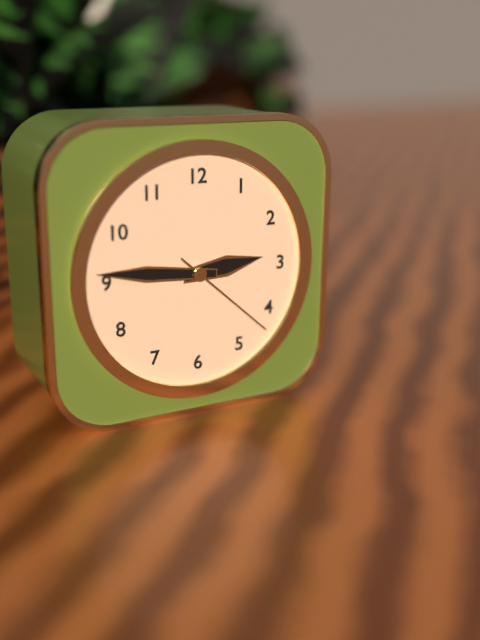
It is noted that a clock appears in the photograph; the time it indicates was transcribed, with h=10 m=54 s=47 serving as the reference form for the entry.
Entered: h=2 m=46 s=22
